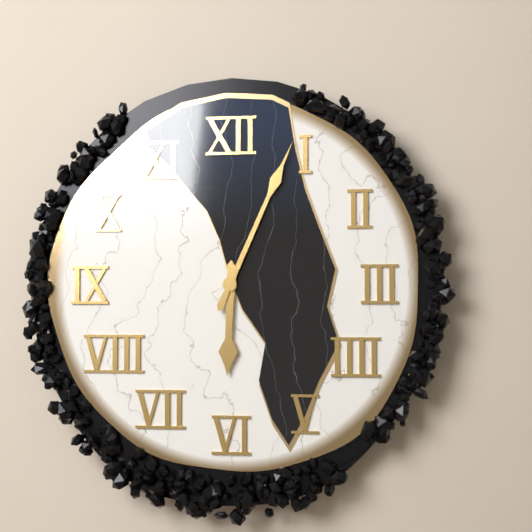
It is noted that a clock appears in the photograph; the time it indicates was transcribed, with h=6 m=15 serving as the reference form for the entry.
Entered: h=6 m=4
